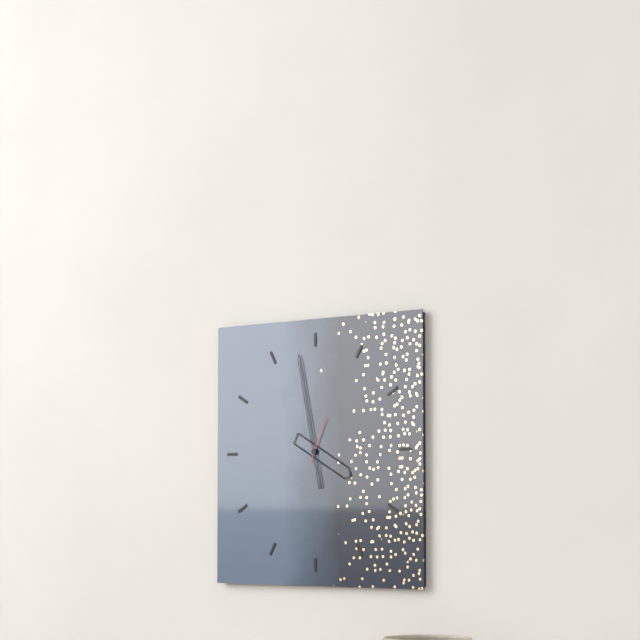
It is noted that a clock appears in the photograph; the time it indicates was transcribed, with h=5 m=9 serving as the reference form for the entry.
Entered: h=3 m=58
